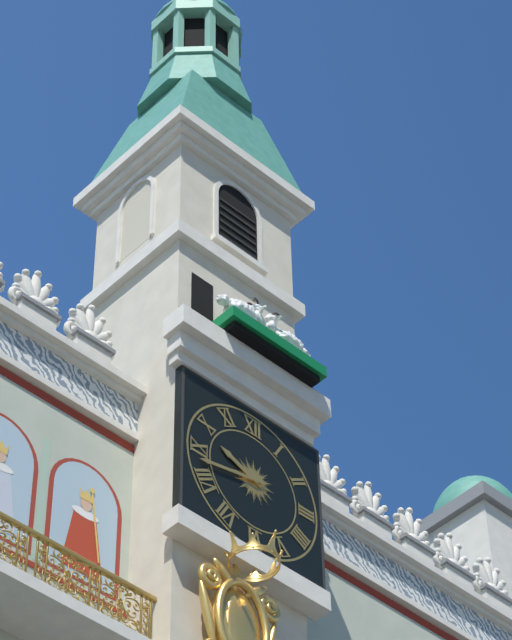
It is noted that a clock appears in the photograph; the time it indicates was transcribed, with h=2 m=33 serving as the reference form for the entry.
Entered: h=9 m=43
